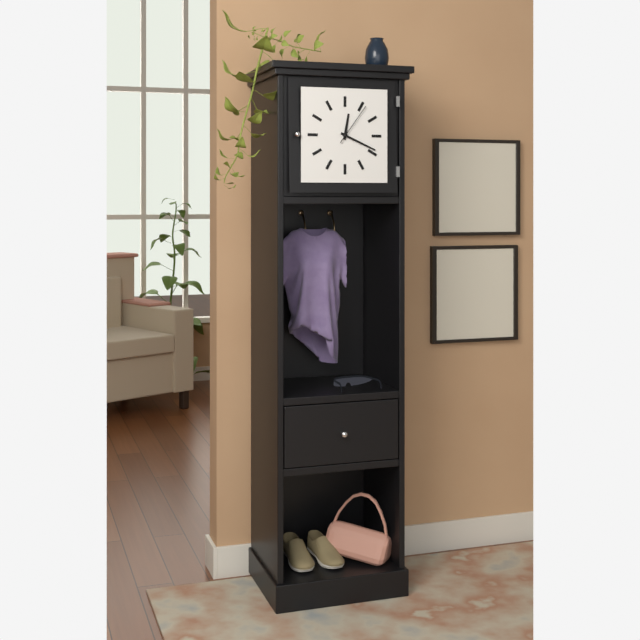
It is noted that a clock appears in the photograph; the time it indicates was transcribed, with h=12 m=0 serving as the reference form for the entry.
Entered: h=12 m=19
